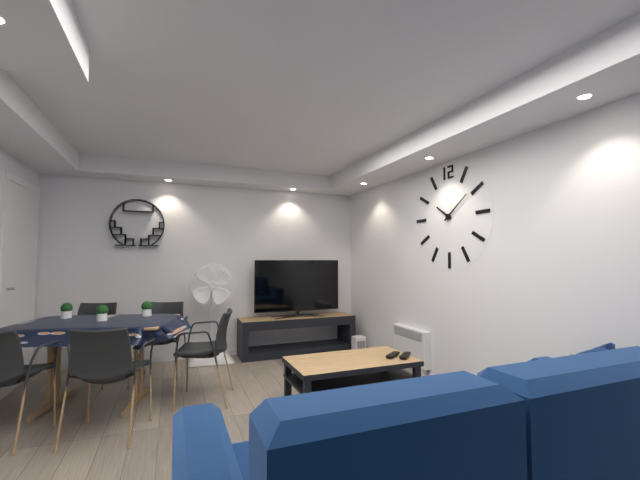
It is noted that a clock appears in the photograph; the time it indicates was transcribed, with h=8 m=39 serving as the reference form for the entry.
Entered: h=10 m=9
